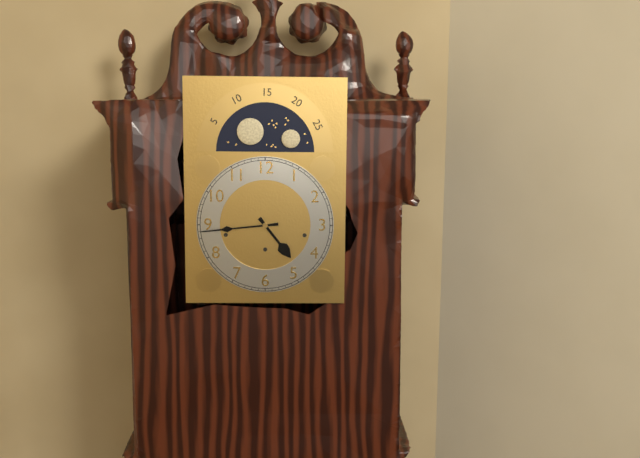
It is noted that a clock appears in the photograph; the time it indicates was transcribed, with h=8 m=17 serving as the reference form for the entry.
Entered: h=4 m=44
